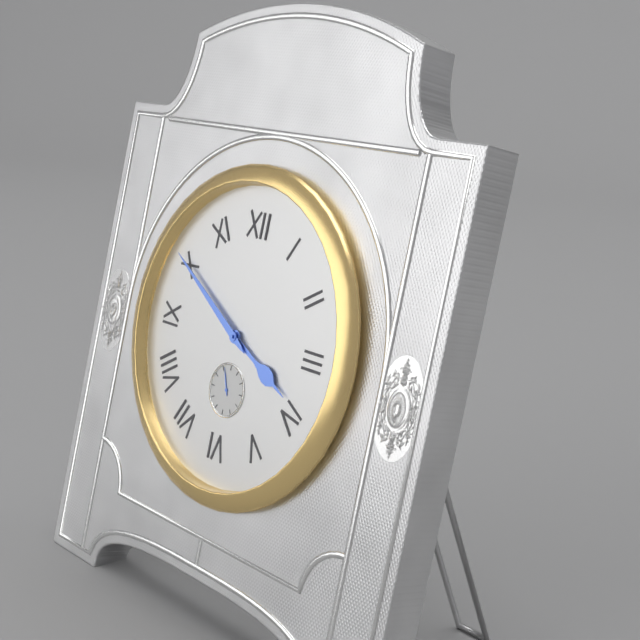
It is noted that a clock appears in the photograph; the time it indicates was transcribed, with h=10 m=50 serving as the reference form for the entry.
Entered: h=3 m=50
